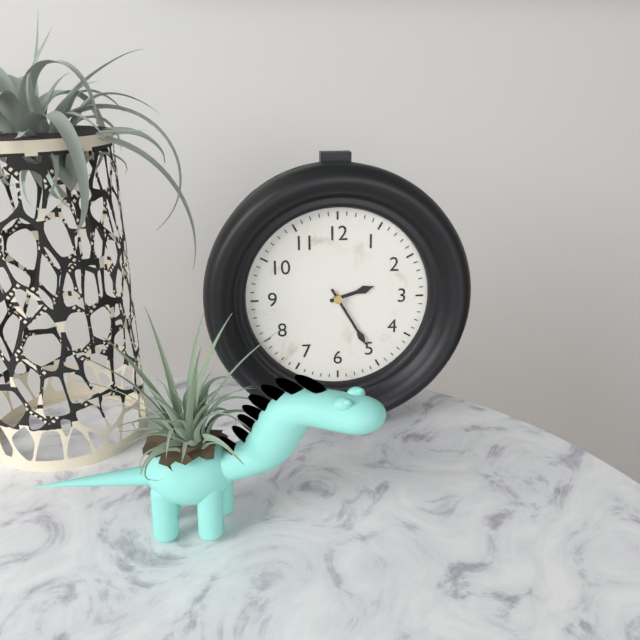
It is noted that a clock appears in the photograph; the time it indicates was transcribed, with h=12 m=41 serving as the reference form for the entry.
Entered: h=2 m=25
